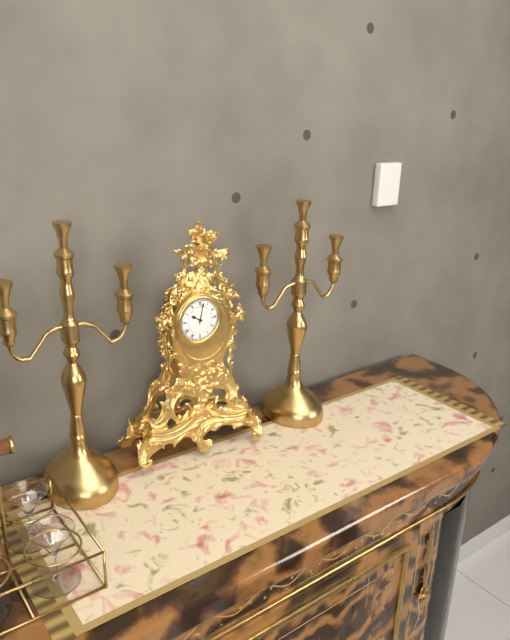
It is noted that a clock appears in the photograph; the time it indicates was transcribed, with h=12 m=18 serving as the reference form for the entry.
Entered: h=10 m=2
